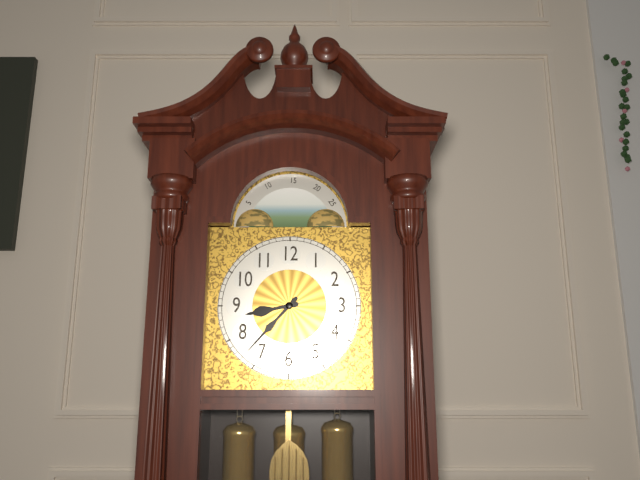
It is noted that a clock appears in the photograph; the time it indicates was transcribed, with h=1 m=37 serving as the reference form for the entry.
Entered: h=8 m=37
